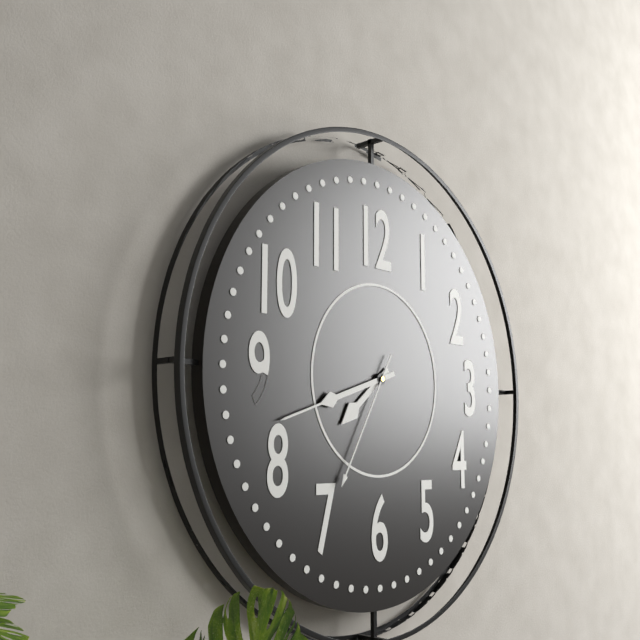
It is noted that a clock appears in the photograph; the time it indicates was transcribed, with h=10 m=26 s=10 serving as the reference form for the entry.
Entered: h=7 m=42 s=35
